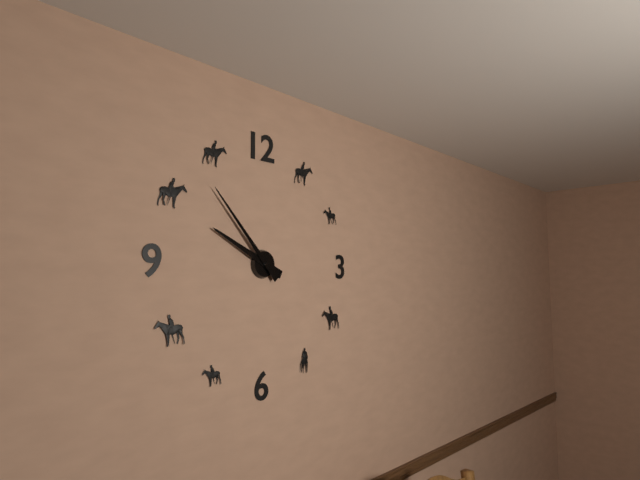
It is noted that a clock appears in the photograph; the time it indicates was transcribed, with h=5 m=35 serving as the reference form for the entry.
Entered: h=9 m=53
